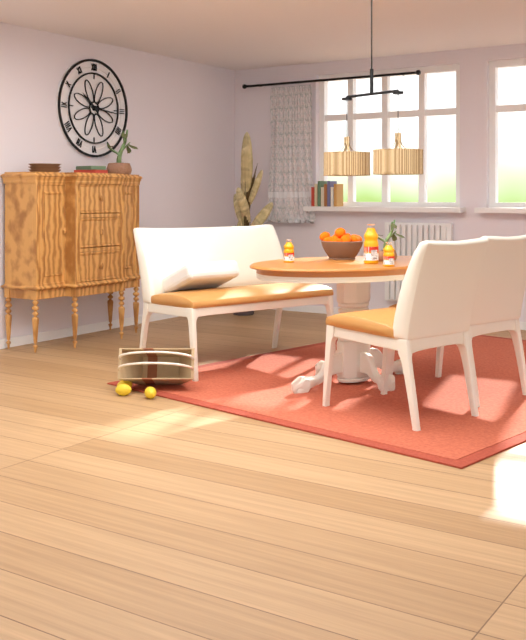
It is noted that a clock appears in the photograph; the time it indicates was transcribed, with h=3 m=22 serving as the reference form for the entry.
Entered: h=10 m=16
